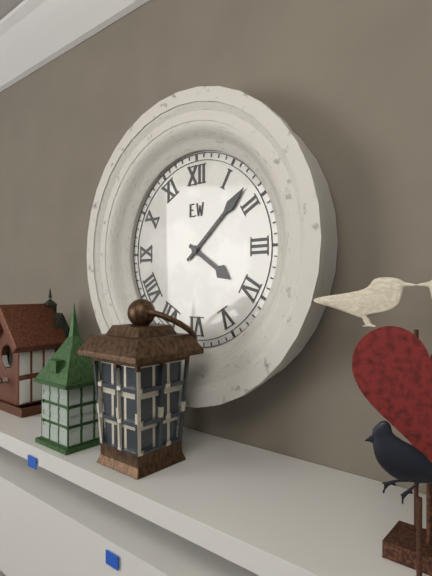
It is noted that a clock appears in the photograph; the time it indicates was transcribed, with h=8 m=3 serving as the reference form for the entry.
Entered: h=4 m=8
